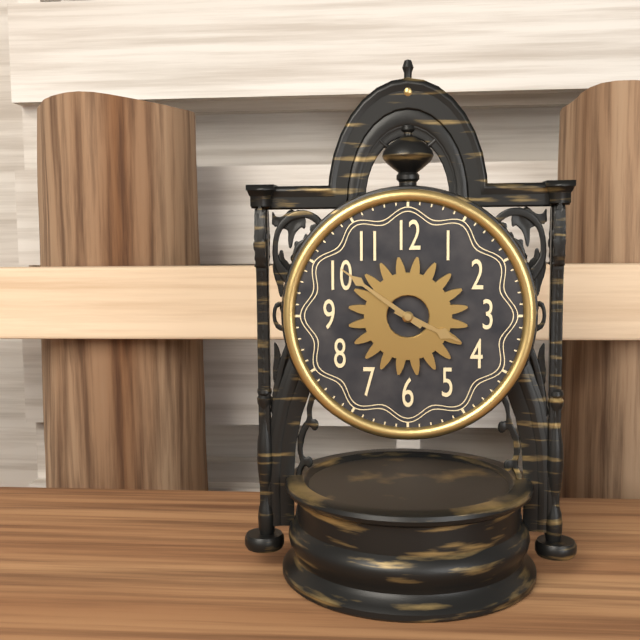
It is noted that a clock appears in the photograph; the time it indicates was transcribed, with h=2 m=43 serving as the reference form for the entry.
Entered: h=3 m=51
